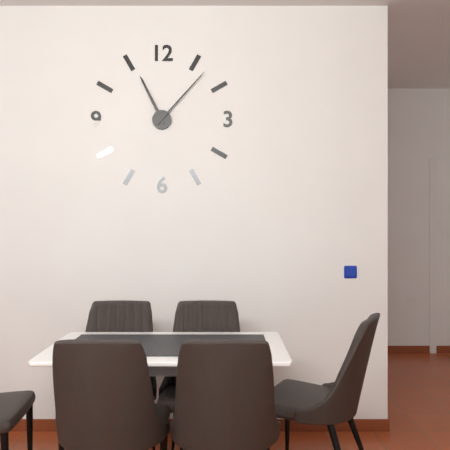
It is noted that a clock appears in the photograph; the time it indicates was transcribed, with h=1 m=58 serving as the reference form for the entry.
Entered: h=11 m=7
